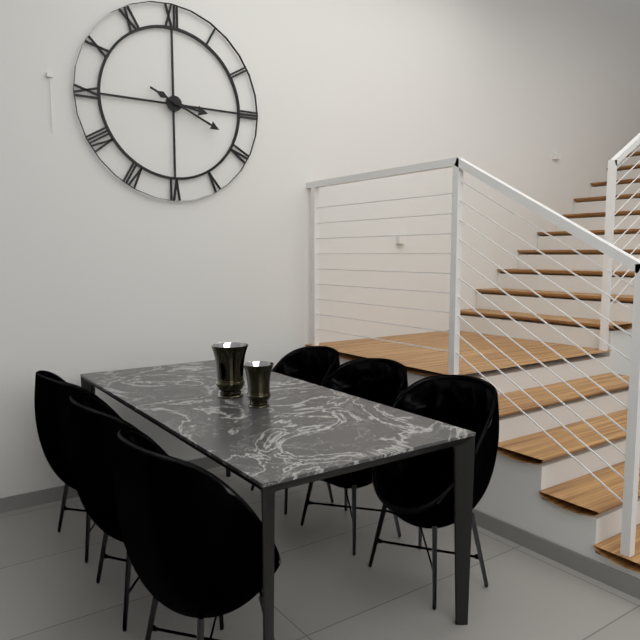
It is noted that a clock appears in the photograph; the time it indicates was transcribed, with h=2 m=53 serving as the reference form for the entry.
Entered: h=3 m=19
